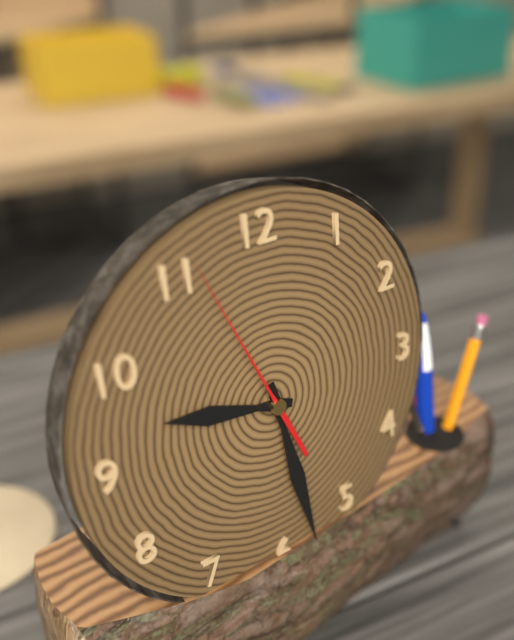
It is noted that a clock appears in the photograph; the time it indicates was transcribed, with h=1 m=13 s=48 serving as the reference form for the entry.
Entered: h=9 m=28 s=56
